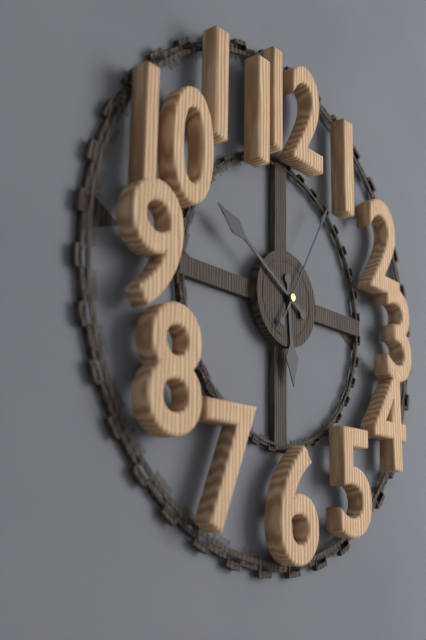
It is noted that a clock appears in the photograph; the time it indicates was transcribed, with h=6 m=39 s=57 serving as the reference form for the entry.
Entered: h=5 m=50 s=5
